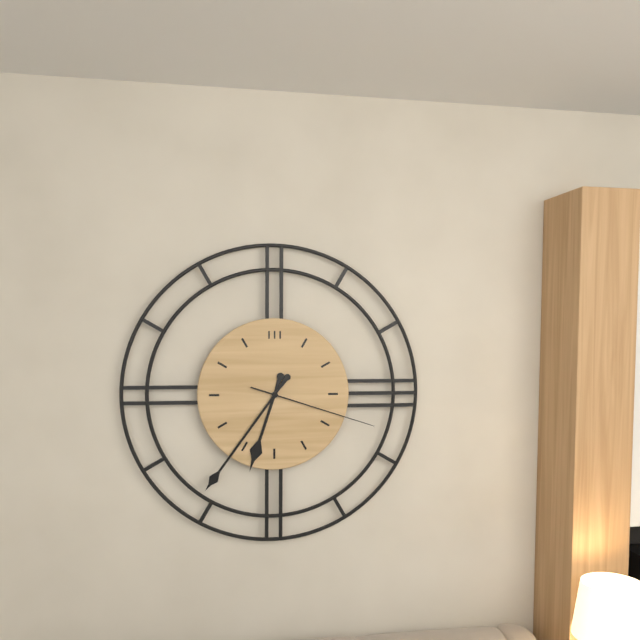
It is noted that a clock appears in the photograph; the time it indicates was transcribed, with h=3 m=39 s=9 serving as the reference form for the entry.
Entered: h=6 m=36 s=18
